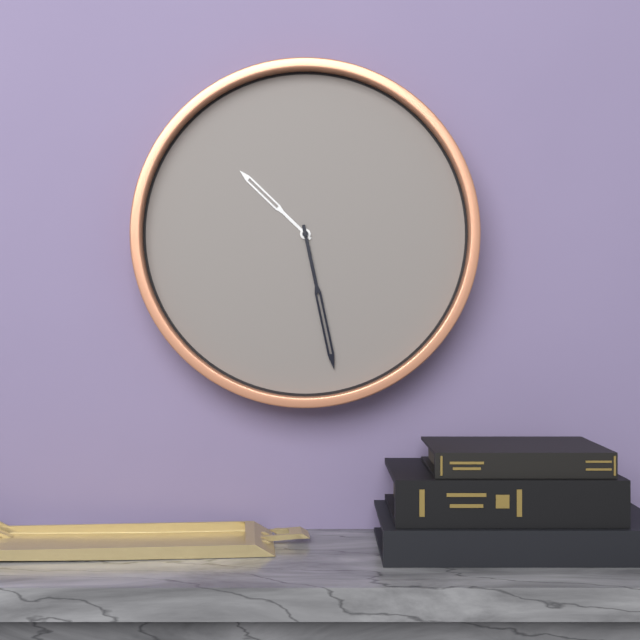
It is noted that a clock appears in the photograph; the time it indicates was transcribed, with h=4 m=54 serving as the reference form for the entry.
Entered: h=10 m=28
